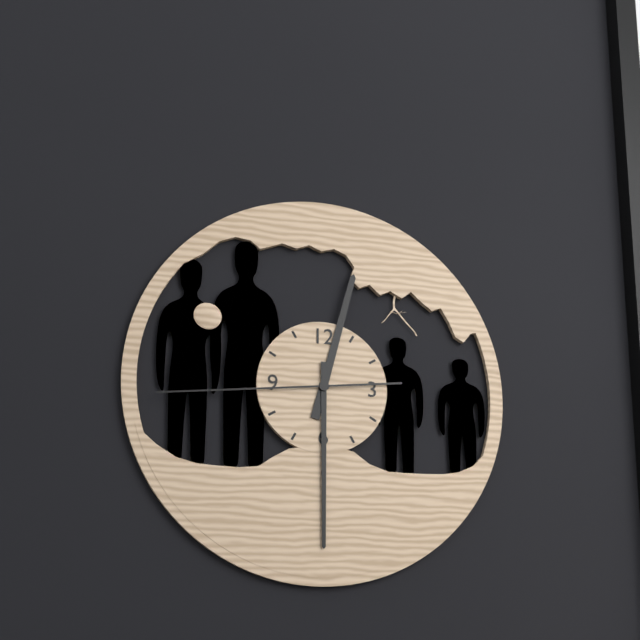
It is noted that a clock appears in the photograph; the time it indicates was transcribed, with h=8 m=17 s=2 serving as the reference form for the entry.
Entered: h=12 m=30 s=44
